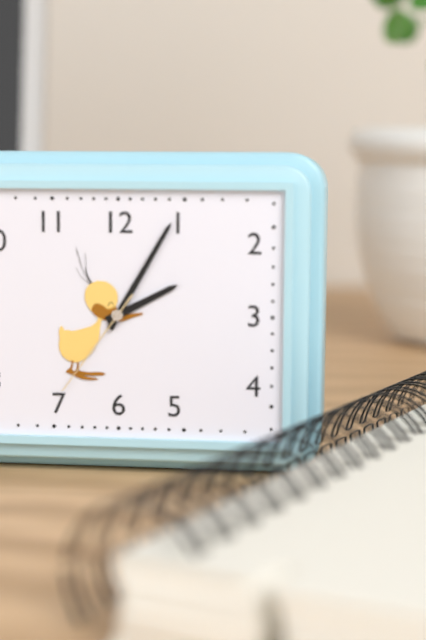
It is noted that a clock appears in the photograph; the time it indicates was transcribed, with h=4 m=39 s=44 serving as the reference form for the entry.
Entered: h=2 m=5 s=36
